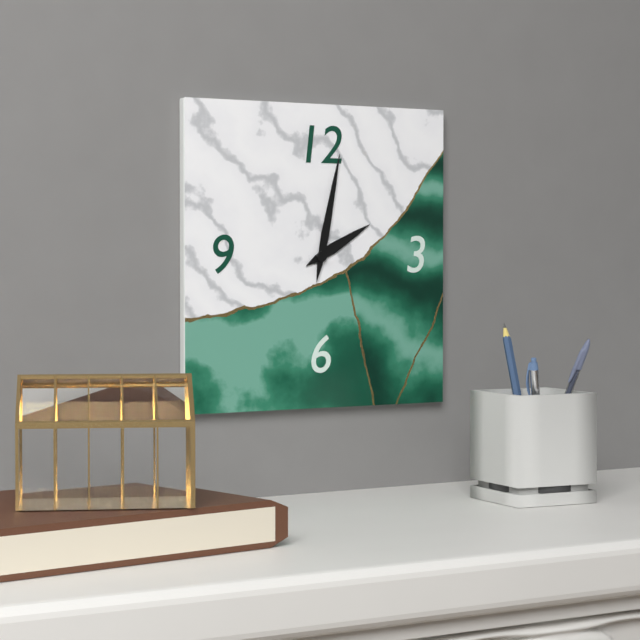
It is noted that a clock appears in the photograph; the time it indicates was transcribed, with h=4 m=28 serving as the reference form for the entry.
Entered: h=2 m=2
